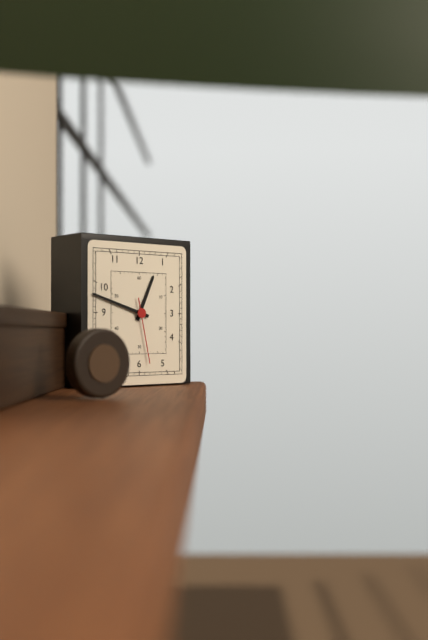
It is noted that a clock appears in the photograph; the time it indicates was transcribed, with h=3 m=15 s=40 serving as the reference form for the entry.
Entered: h=12 m=48 s=28
